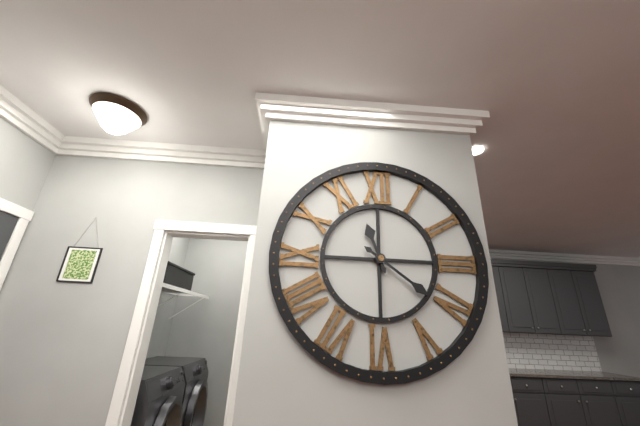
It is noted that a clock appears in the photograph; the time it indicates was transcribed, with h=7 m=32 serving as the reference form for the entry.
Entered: h=11 m=21
